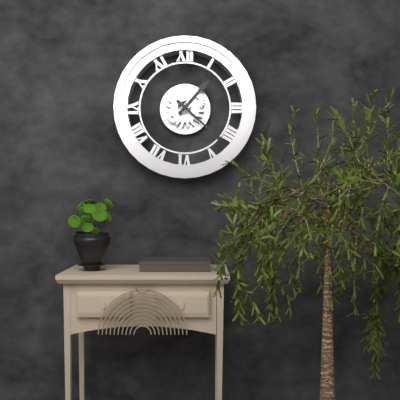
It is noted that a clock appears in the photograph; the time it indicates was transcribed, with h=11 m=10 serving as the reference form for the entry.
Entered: h=1 m=22
